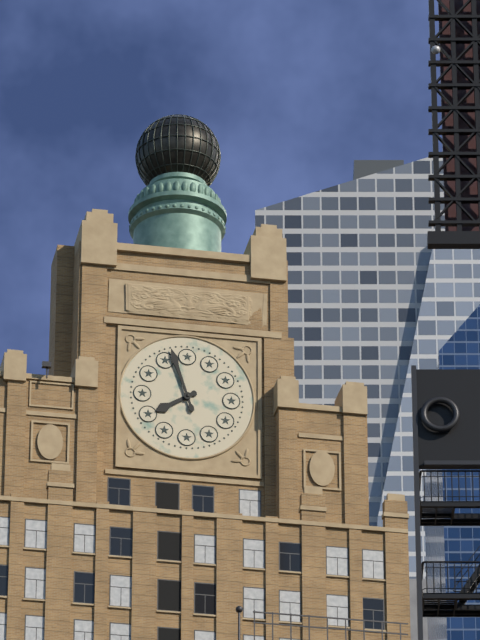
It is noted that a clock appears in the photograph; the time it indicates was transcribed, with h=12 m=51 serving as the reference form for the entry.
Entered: h=7 m=57
